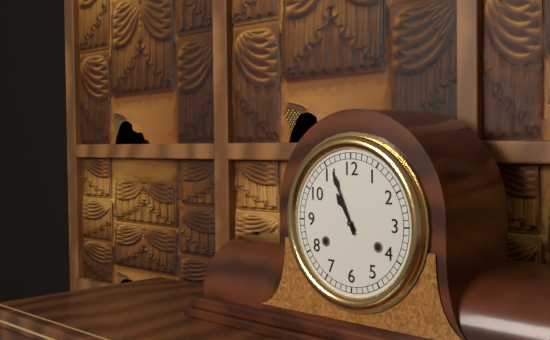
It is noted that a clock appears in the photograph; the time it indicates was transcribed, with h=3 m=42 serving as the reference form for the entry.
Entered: h=10 m=56
